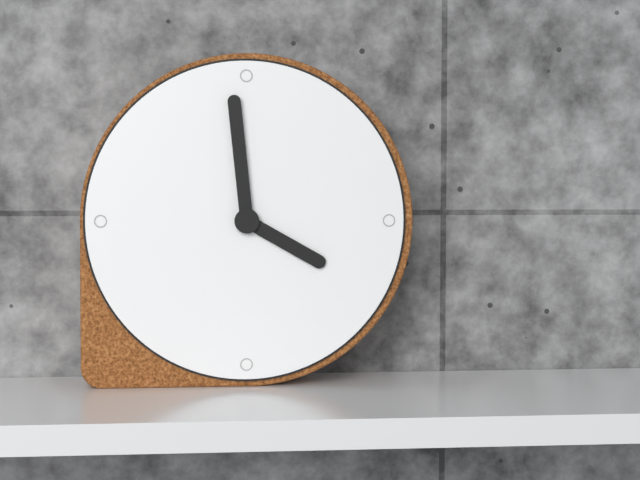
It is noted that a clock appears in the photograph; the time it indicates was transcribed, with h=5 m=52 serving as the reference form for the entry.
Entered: h=3 m=59
